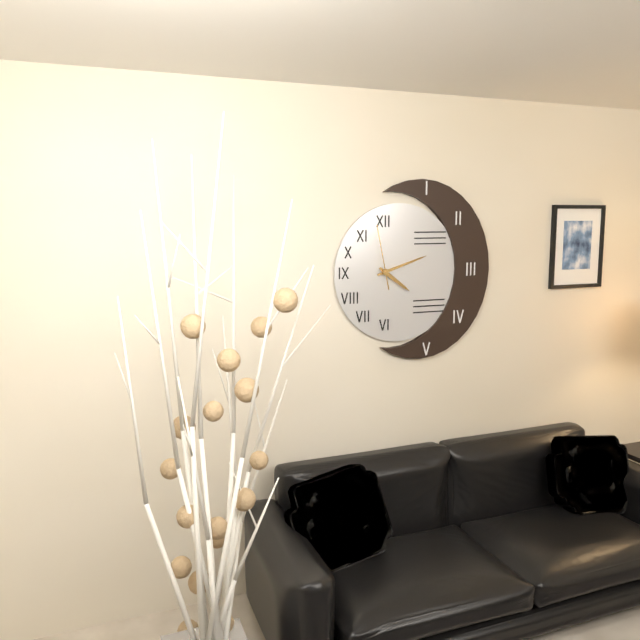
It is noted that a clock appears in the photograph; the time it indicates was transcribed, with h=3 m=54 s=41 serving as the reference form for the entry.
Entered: h=4 m=12 s=58
